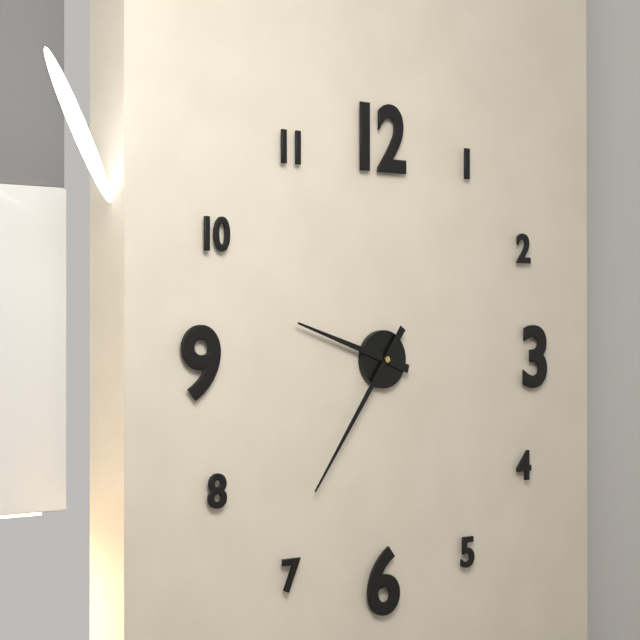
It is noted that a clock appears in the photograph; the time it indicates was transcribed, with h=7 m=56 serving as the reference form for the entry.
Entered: h=9 m=36
